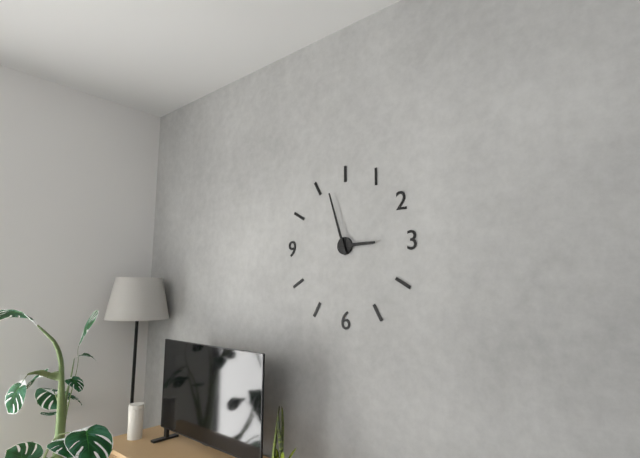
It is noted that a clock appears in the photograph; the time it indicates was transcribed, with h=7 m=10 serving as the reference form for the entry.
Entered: h=2 m=57
